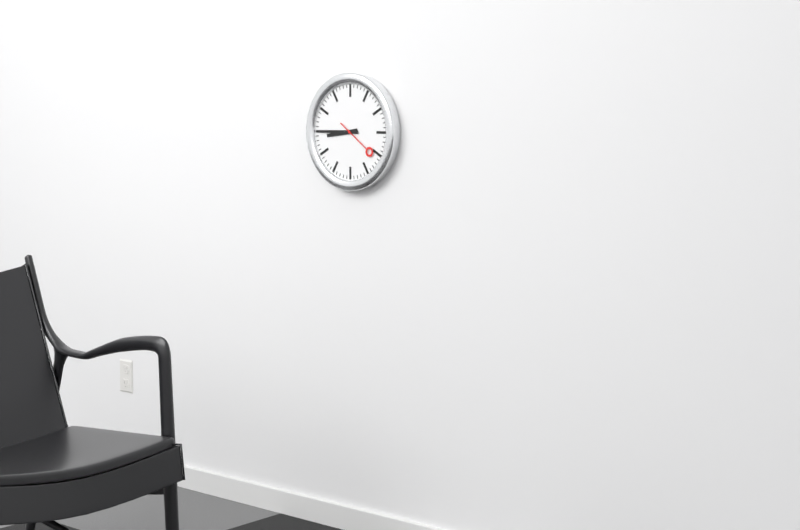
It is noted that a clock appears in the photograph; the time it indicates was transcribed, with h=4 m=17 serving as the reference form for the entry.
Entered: h=8 m=45
